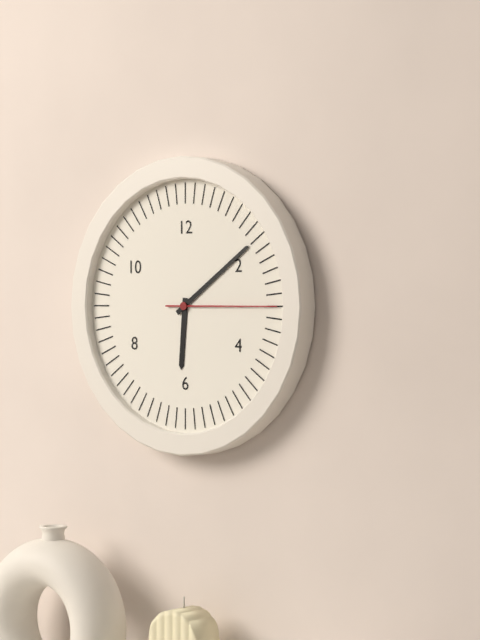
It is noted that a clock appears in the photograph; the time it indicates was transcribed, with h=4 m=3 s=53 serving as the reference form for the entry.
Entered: h=6 m=9 s=15
